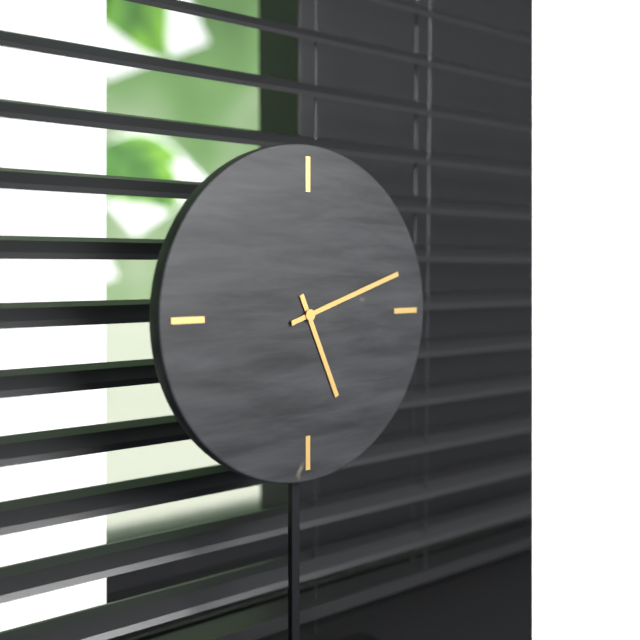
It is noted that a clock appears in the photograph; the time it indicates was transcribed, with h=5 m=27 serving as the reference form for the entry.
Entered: h=5 m=12
